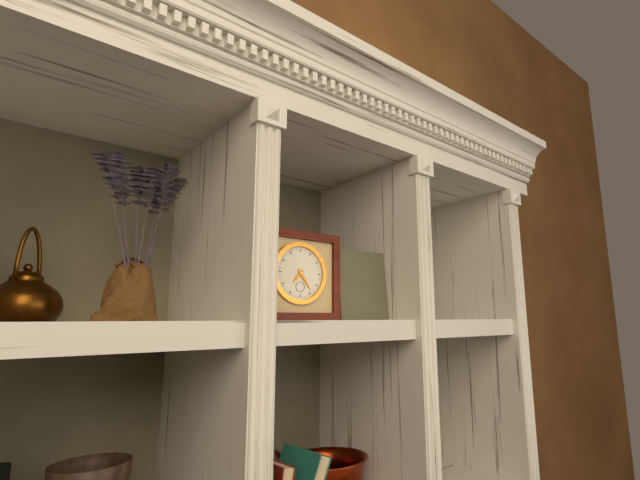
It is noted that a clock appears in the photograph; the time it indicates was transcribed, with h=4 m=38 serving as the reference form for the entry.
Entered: h=7 m=24
